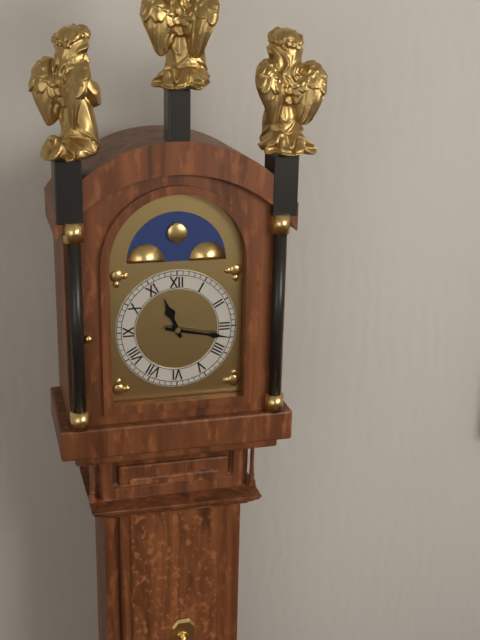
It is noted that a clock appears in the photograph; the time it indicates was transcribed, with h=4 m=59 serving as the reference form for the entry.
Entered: h=11 m=17
